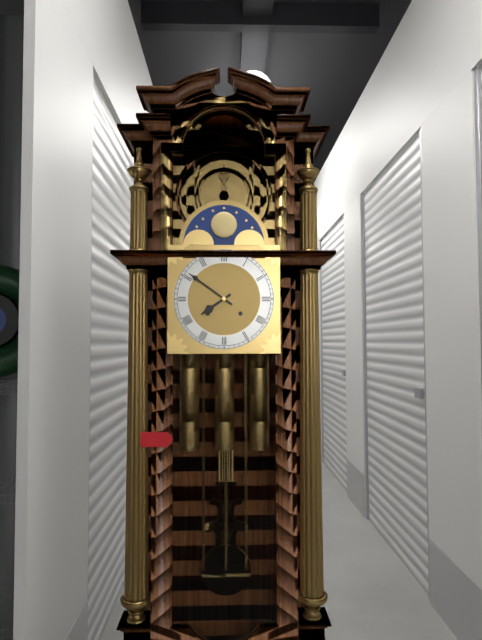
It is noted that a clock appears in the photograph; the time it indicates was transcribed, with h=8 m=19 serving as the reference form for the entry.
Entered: h=7 m=51
